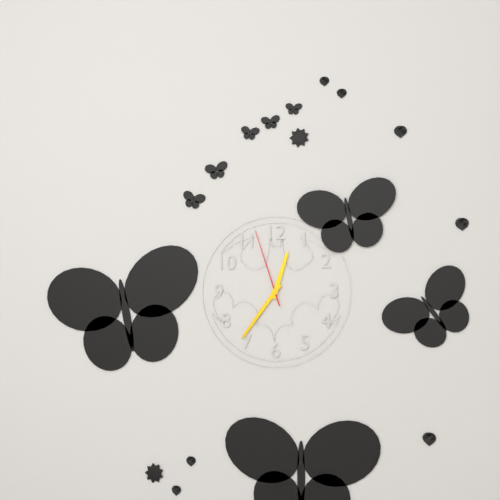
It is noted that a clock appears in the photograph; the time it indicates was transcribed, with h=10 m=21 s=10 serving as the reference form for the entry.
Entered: h=12 m=36 s=57
